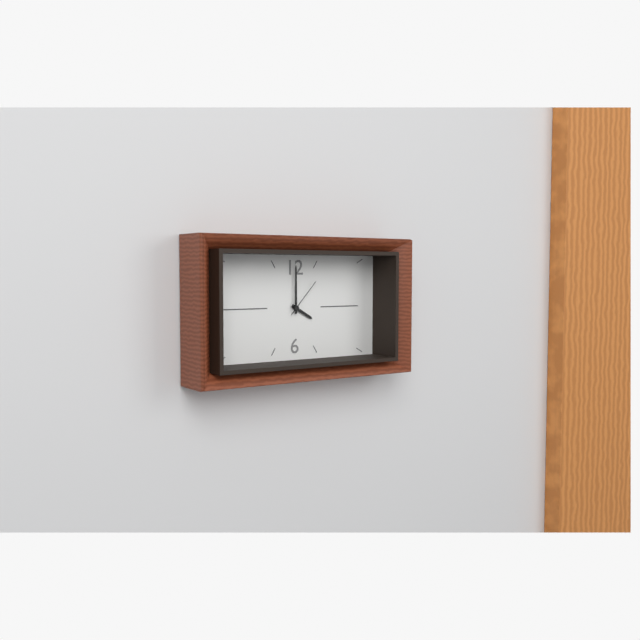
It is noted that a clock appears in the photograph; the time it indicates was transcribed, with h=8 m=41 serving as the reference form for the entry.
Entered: h=4 m=0
